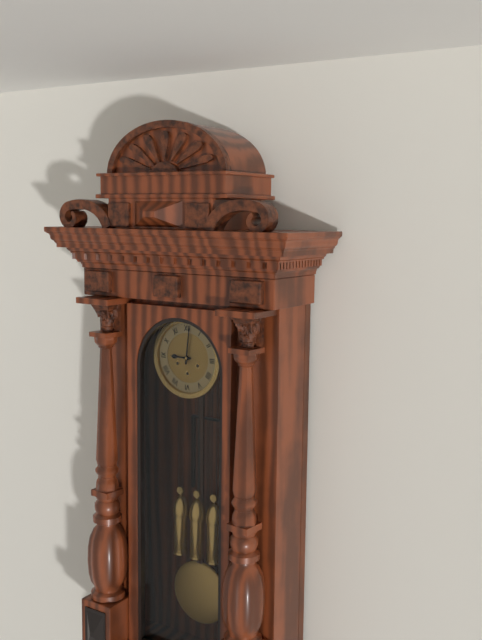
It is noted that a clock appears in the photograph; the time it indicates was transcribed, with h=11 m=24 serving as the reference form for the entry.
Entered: h=9 m=1
